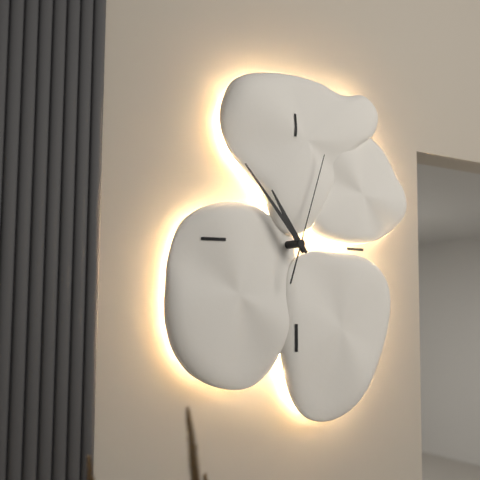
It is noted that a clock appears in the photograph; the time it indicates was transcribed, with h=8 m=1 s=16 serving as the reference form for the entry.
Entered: h=10 m=53 s=3
